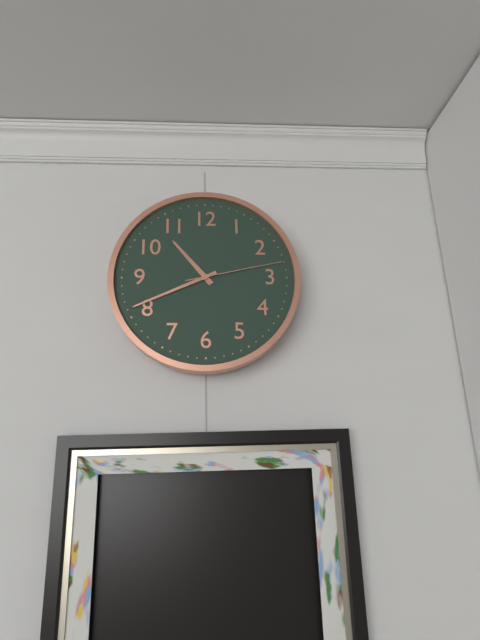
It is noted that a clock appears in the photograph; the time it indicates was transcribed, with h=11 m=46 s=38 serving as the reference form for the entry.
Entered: h=10 m=41 s=13
